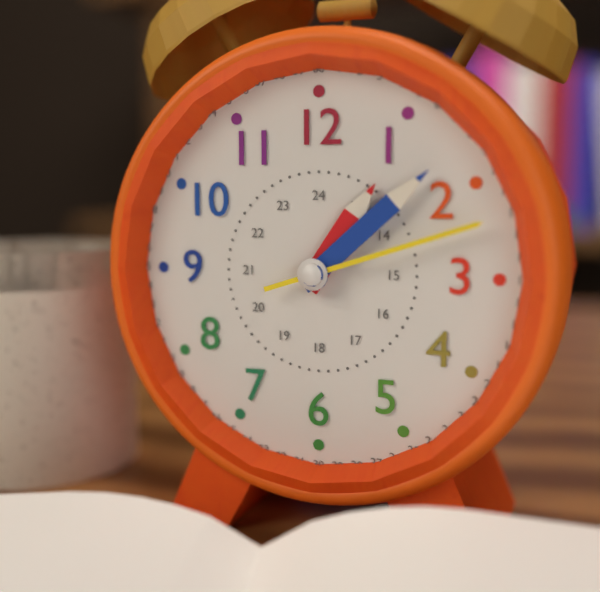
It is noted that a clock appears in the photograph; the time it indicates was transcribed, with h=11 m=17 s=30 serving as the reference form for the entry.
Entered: h=1 m=8 s=12
